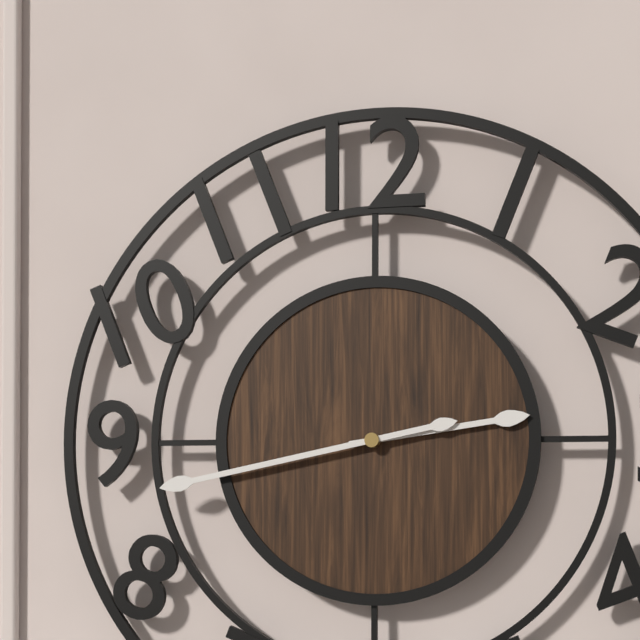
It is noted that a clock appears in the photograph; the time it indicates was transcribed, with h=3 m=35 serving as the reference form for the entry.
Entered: h=2 m=43
